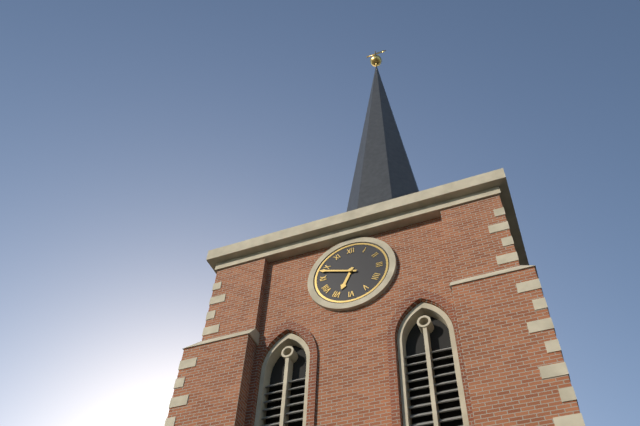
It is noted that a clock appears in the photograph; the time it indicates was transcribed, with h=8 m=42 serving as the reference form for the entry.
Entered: h=6 m=48
